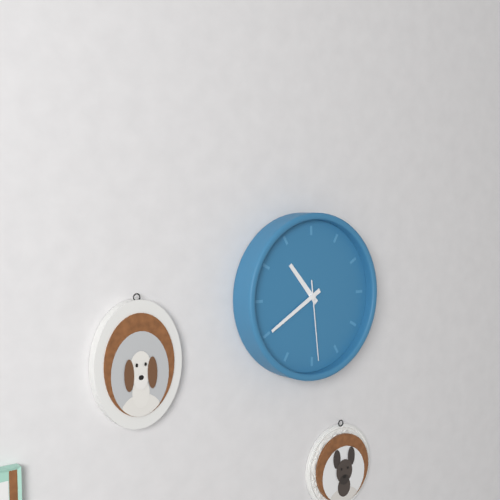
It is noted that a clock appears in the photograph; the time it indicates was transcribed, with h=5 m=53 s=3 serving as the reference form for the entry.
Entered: h=10 m=40 s=29
